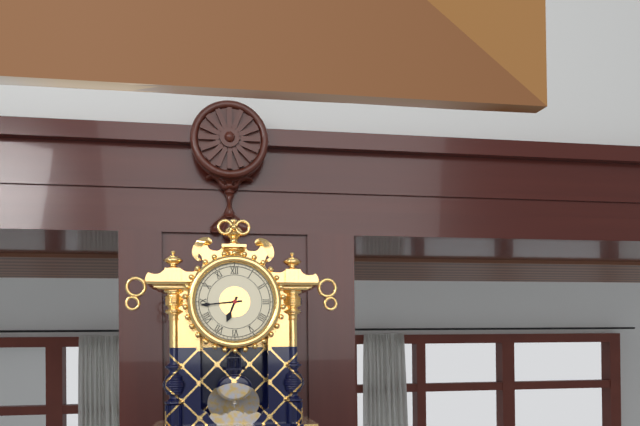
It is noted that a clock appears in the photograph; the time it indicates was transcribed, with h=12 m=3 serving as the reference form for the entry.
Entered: h=6 m=44
